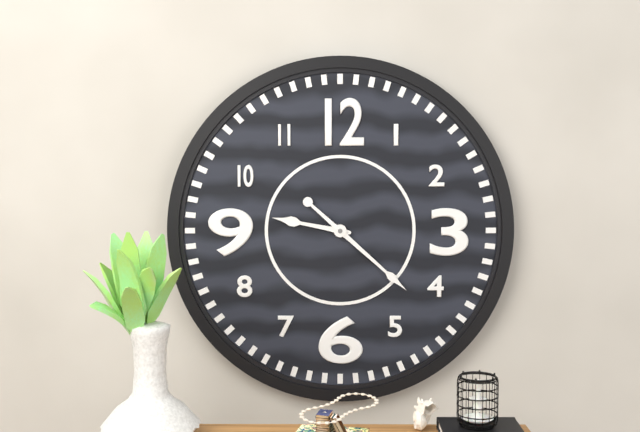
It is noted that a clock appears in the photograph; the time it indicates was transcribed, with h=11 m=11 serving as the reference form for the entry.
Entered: h=9 m=22
